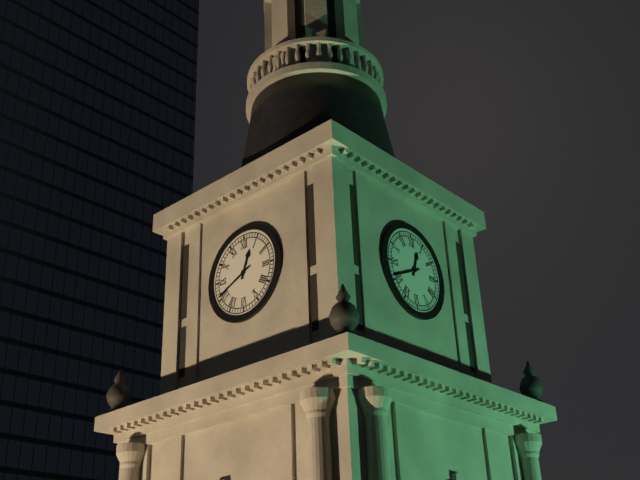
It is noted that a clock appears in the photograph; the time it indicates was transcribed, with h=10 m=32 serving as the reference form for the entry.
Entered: h=12 m=41
